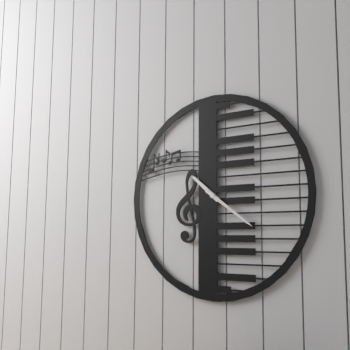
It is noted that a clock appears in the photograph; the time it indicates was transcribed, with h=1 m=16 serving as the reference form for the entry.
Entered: h=10 m=21
